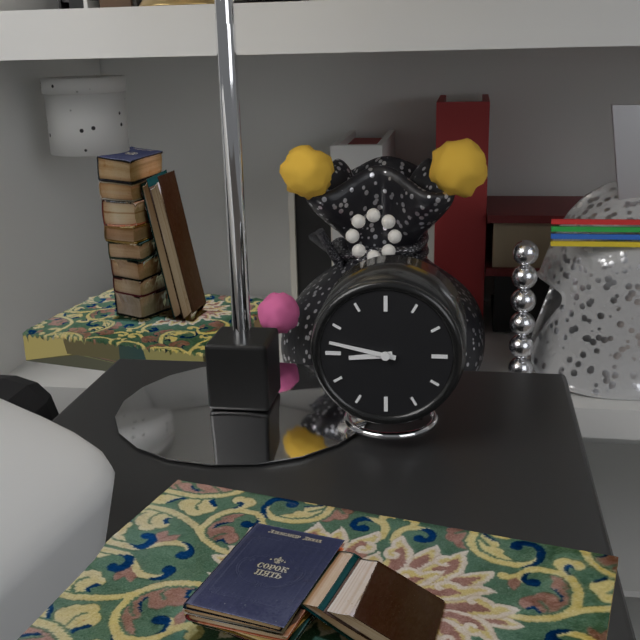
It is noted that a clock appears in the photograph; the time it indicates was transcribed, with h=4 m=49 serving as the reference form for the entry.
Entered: h=8 m=47
